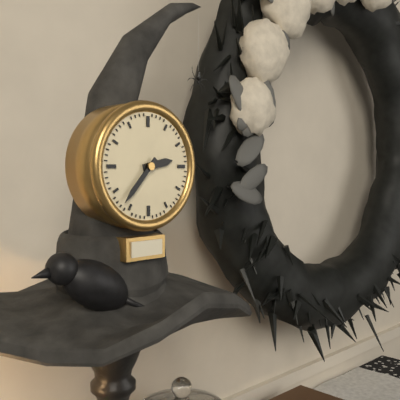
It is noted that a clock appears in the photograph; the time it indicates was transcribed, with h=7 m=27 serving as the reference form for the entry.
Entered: h=2 m=37
